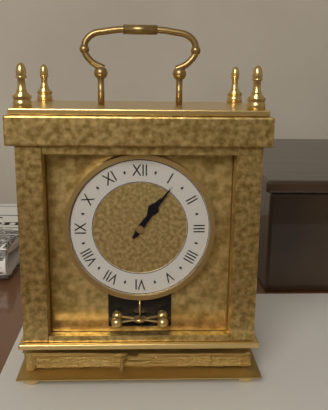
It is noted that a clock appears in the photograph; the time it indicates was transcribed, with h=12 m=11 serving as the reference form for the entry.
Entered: h=1 m=6
